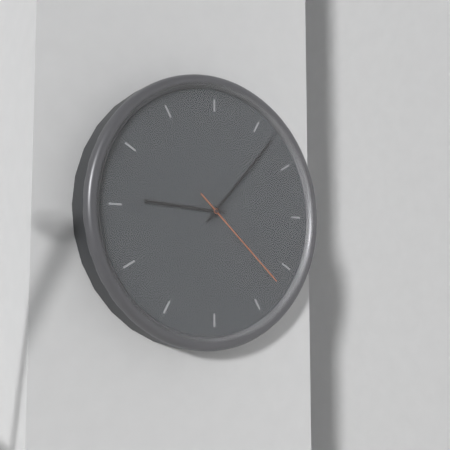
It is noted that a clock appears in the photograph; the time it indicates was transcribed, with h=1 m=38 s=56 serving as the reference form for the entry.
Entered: h=9 m=7 s=22
